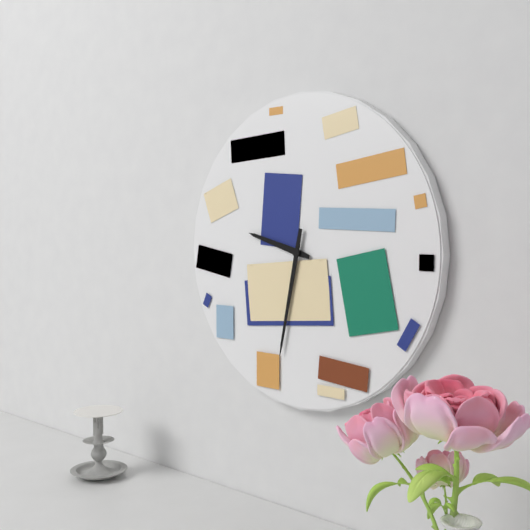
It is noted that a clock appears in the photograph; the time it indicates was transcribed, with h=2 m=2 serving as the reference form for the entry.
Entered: h=9 m=32
